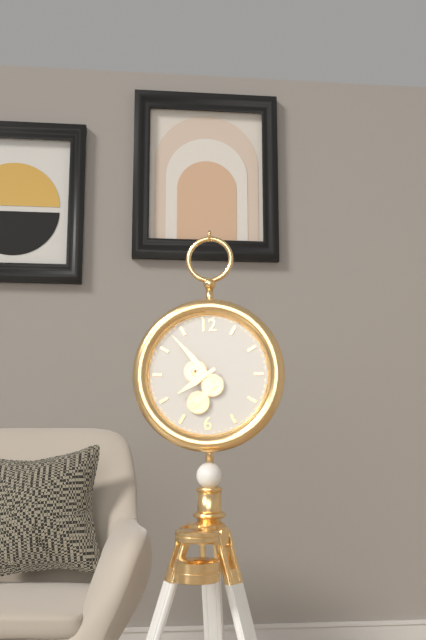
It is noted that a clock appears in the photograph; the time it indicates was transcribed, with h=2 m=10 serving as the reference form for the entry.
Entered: h=7 m=53
